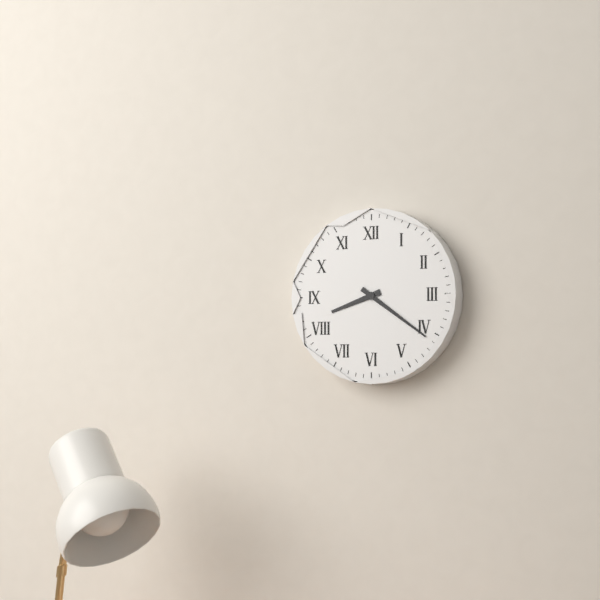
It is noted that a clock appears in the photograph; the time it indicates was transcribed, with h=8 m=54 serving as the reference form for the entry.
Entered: h=8 m=21
